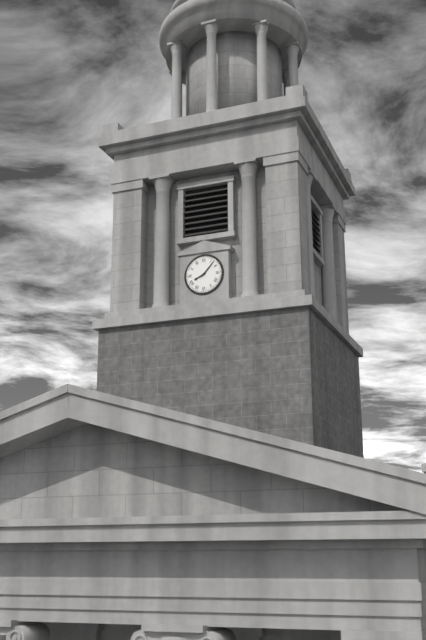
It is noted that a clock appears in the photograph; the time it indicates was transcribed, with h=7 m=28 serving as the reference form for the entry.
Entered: h=8 m=7
